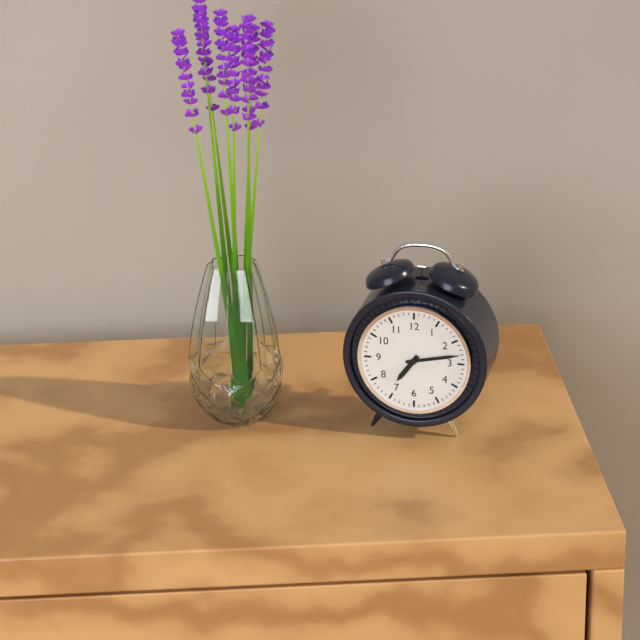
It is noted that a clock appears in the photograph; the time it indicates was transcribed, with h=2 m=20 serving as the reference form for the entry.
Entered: h=7 m=13
